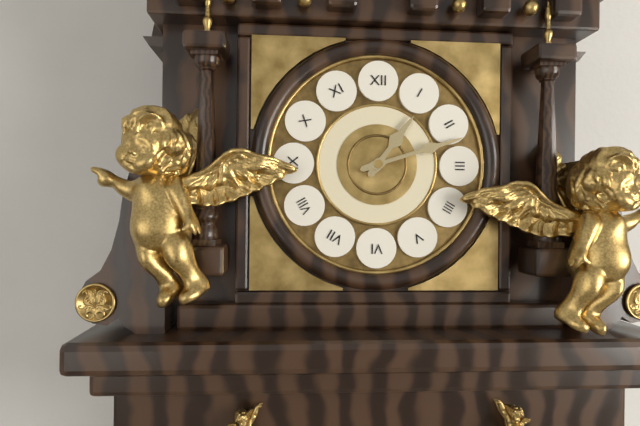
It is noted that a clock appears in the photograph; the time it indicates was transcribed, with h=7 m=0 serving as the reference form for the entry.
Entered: h=1 m=12
